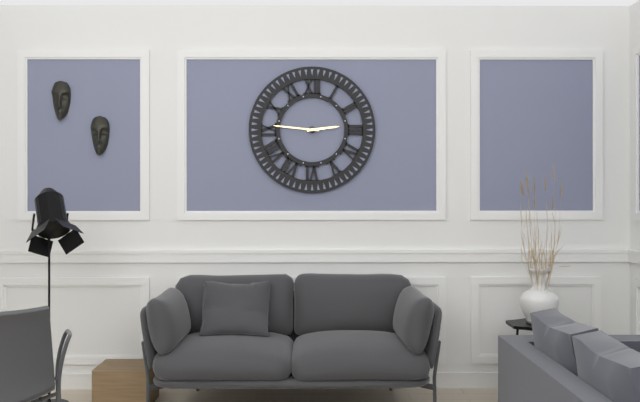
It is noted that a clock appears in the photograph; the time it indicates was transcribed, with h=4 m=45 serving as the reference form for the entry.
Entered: h=2 m=46
